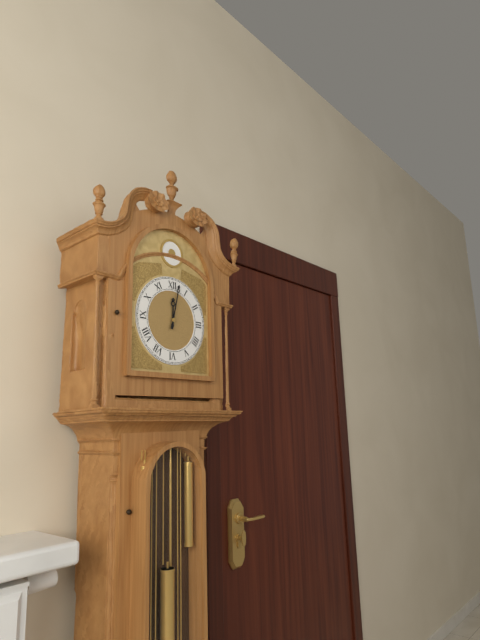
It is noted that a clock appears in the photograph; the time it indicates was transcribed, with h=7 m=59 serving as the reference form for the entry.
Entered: h=12 m=2
